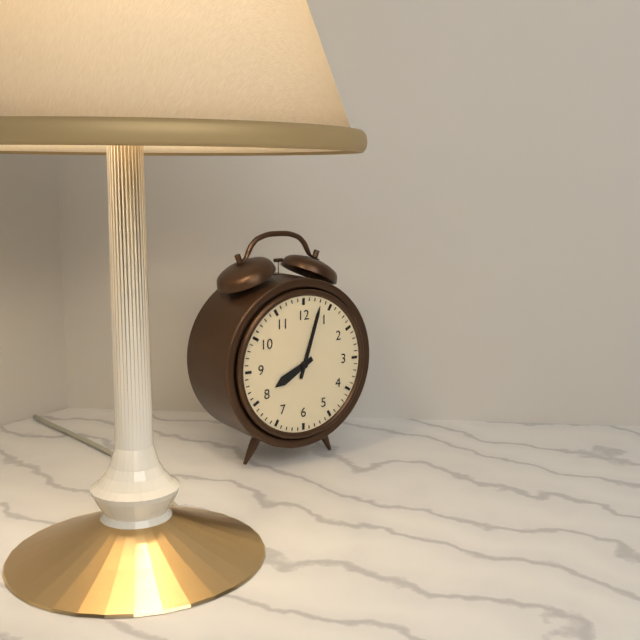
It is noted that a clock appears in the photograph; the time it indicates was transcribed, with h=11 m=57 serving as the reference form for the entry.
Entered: h=8 m=3
